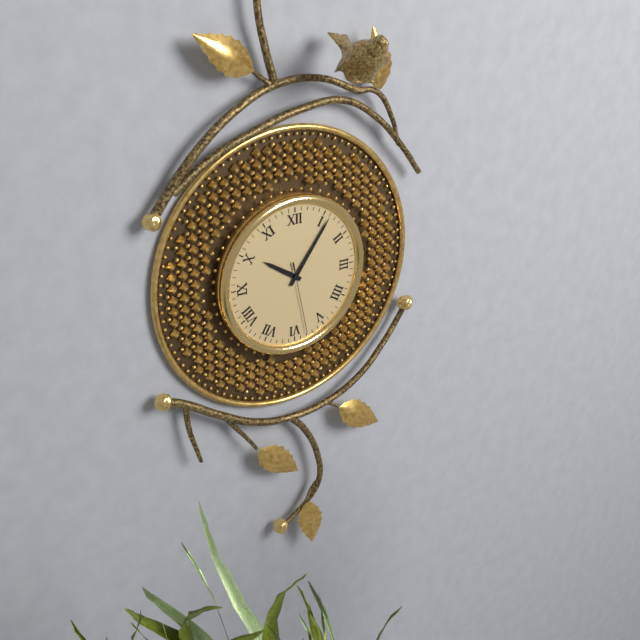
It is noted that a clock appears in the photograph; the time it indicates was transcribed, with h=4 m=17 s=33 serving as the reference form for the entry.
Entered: h=10 m=6 s=28
